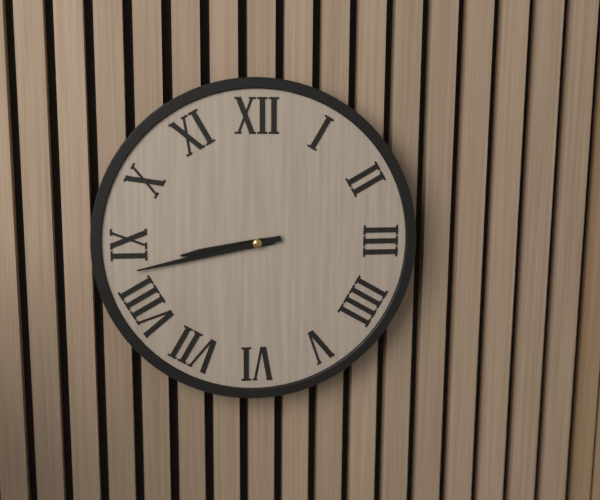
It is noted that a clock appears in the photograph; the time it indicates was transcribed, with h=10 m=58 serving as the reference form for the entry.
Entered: h=8 m=43
